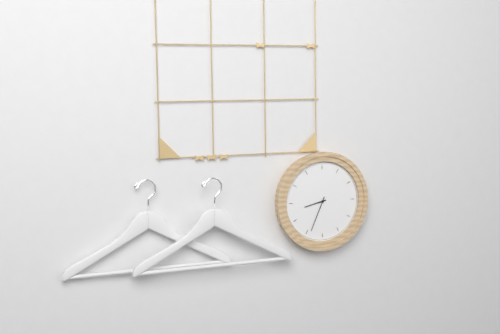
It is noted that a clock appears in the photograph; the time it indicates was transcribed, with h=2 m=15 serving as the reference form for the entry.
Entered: h=8 m=34
